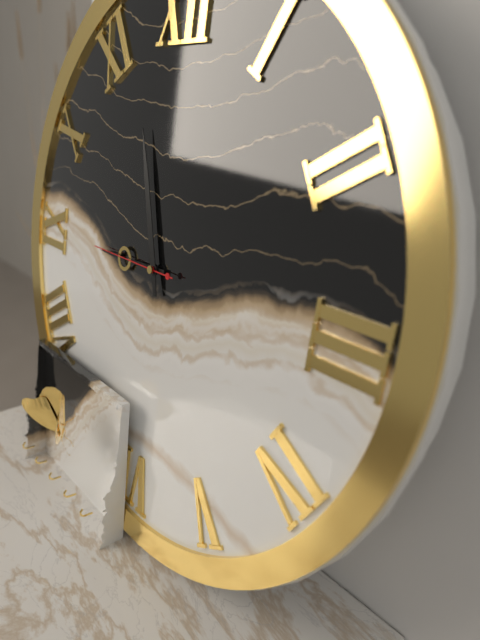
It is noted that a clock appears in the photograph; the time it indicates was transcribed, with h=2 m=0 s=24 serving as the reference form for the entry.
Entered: h=8 m=57 s=45
